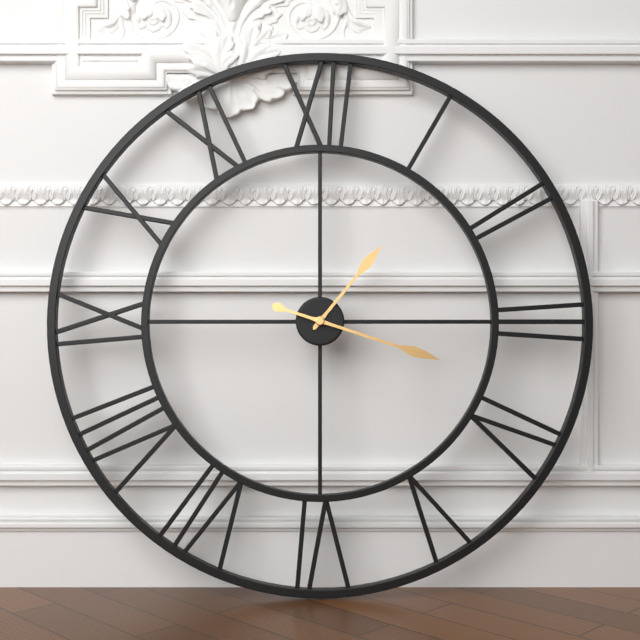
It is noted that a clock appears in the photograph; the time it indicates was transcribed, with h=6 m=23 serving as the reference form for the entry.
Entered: h=1 m=18
